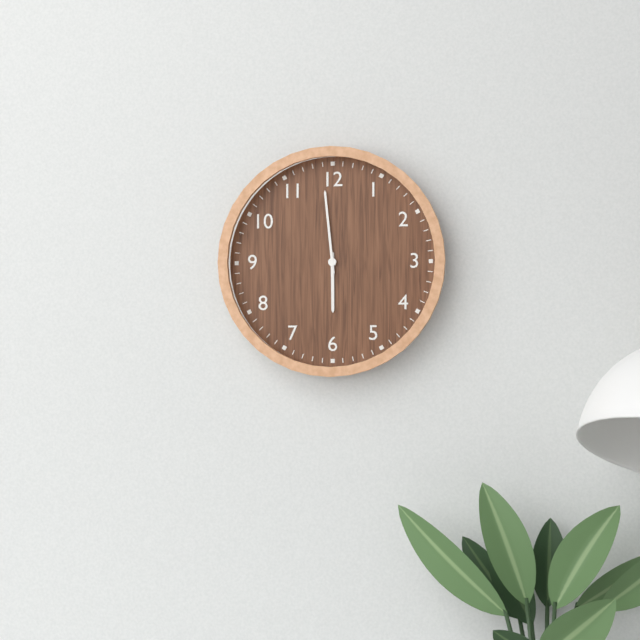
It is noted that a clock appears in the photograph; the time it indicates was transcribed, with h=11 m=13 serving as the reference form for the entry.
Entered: h=5 m=59
